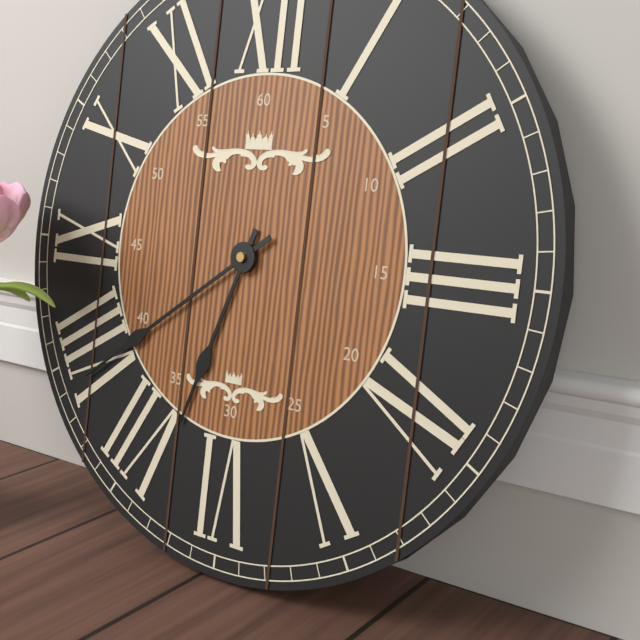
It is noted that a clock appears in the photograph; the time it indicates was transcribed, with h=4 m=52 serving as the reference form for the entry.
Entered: h=6 m=39
